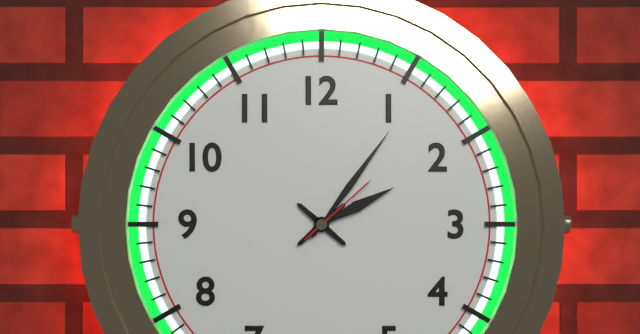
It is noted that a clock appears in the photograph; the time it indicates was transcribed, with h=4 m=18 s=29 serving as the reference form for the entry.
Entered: h=2 m=6 s=8
